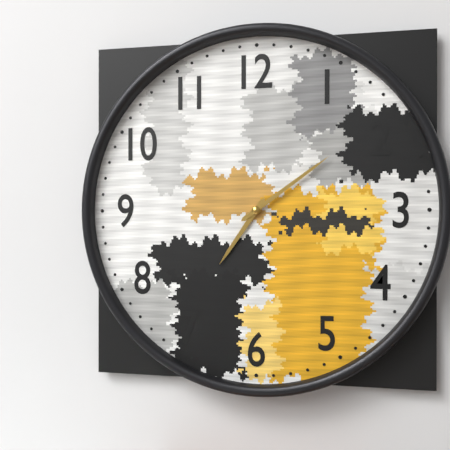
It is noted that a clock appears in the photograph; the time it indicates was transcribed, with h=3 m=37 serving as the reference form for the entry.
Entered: h=7 m=9
